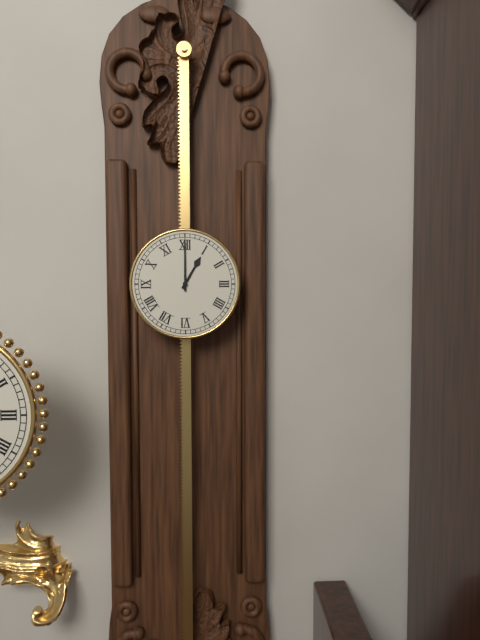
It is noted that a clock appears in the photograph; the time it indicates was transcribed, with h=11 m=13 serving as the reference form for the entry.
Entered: h=1 m=0
